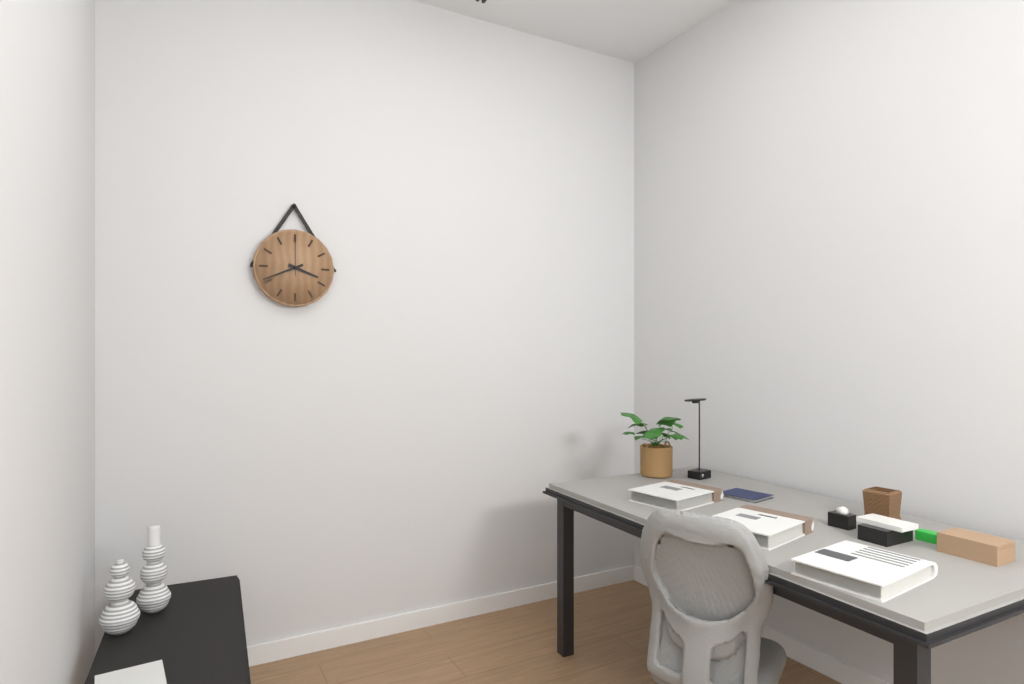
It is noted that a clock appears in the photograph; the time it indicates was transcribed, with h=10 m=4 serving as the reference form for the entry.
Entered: h=3 m=41
